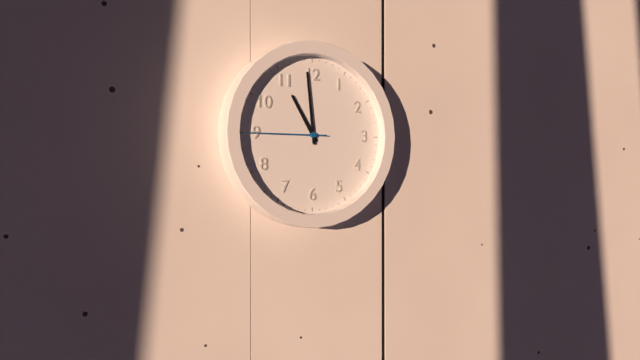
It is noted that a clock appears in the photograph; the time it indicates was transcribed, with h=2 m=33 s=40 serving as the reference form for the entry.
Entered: h=10 m=59 s=45
